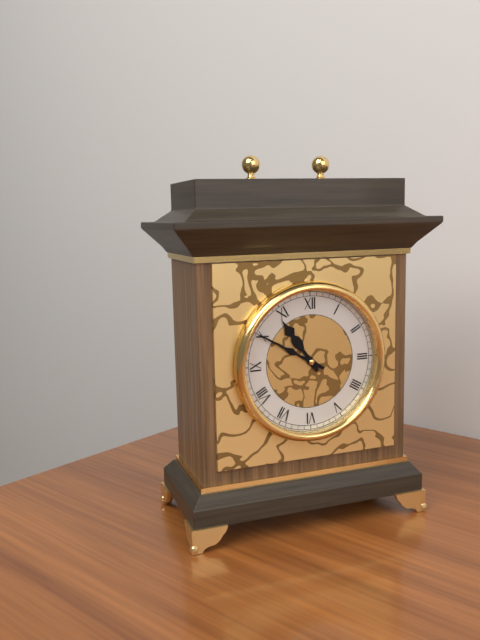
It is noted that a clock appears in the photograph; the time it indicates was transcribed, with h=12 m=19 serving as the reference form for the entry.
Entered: h=10 m=50
